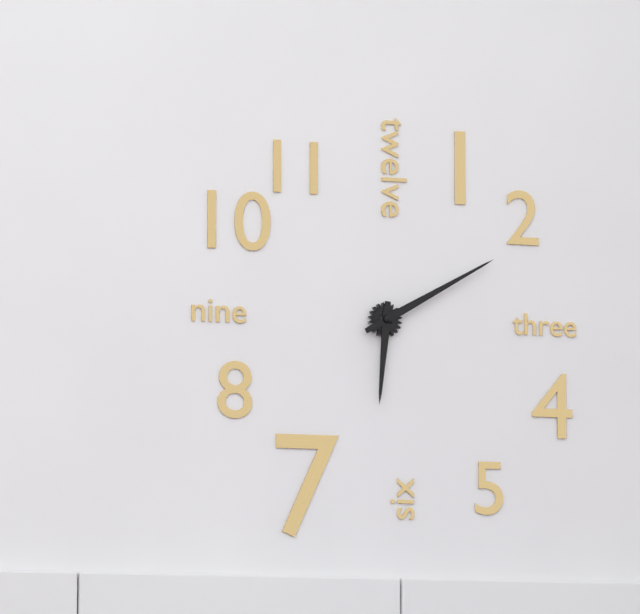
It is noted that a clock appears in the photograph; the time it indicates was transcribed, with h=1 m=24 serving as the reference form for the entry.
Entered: h=6 m=10
